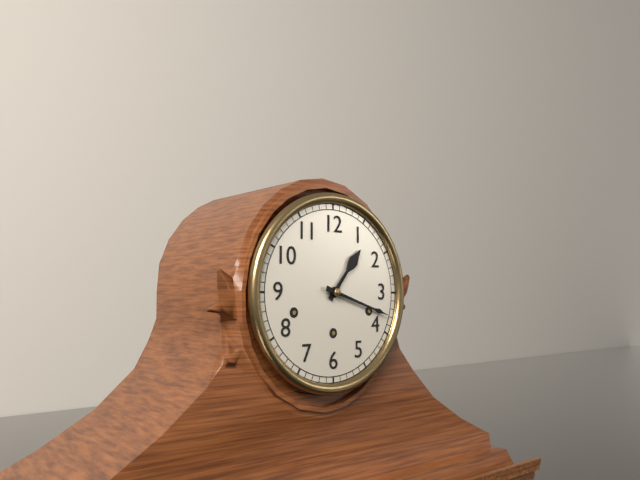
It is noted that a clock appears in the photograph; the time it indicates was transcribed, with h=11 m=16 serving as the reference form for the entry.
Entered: h=1 m=18
